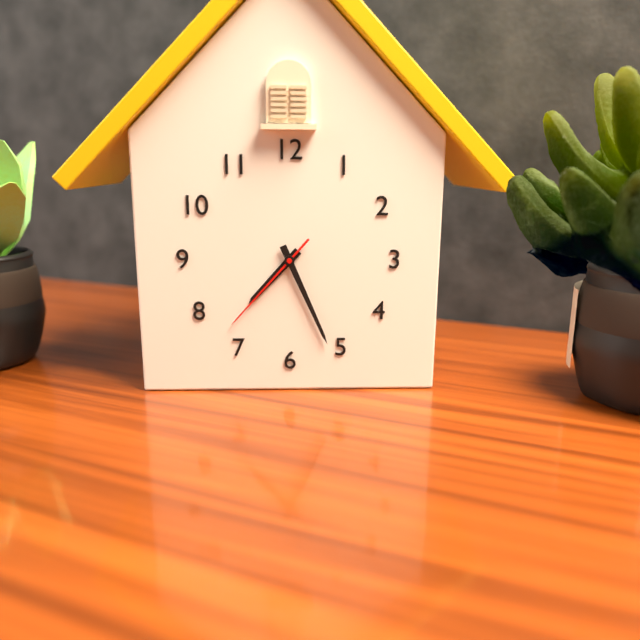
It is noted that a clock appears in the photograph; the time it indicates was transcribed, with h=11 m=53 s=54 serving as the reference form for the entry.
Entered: h=7 m=26 s=37
